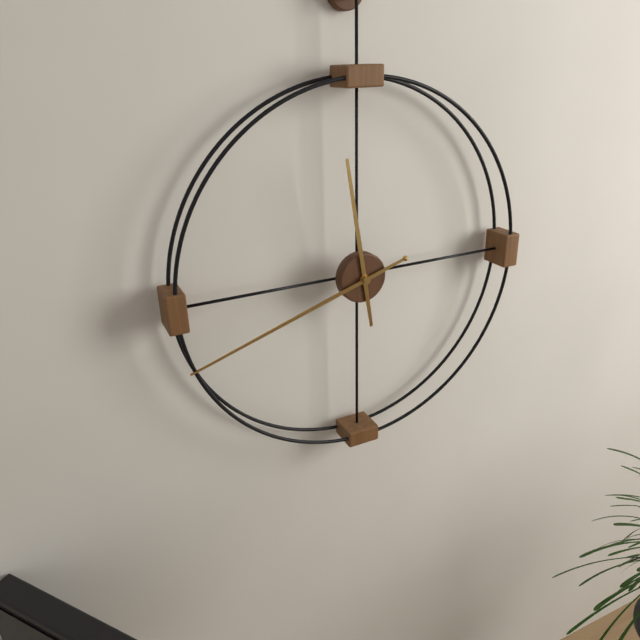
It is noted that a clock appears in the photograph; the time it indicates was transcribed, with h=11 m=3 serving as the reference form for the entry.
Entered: h=11 m=42
